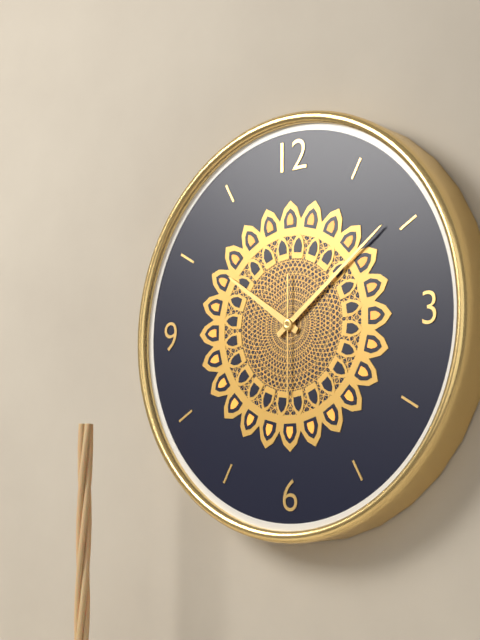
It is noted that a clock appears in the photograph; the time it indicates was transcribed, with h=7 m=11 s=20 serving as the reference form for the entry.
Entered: h=10 m=9 s=30
